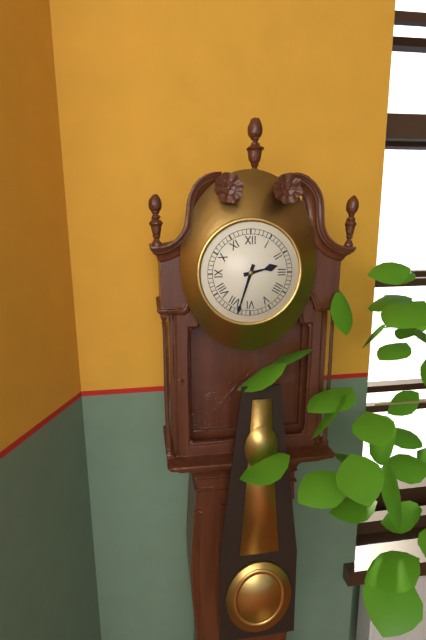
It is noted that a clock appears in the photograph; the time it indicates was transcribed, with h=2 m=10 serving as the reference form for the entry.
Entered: h=2 m=33
